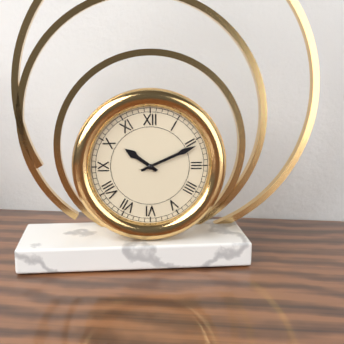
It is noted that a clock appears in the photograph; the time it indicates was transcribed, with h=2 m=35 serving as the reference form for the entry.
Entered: h=10 m=11
